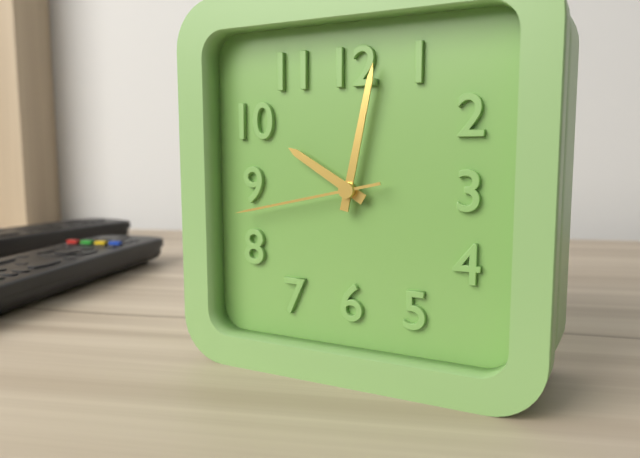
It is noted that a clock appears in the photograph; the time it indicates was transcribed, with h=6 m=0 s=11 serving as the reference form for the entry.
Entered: h=10 m=2 s=43
